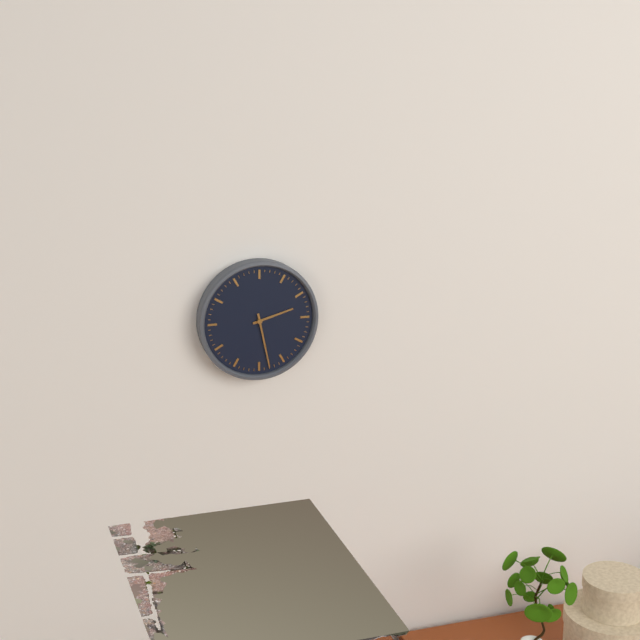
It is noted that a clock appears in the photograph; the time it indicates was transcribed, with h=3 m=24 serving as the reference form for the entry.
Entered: h=2 m=28
